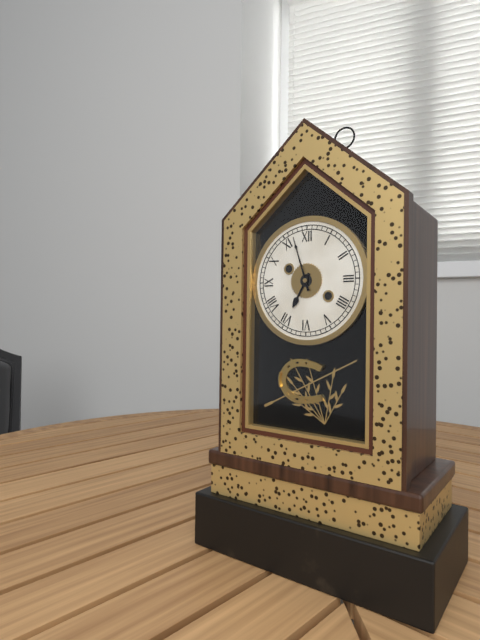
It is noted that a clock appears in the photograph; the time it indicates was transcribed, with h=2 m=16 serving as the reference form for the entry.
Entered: h=6 m=57
